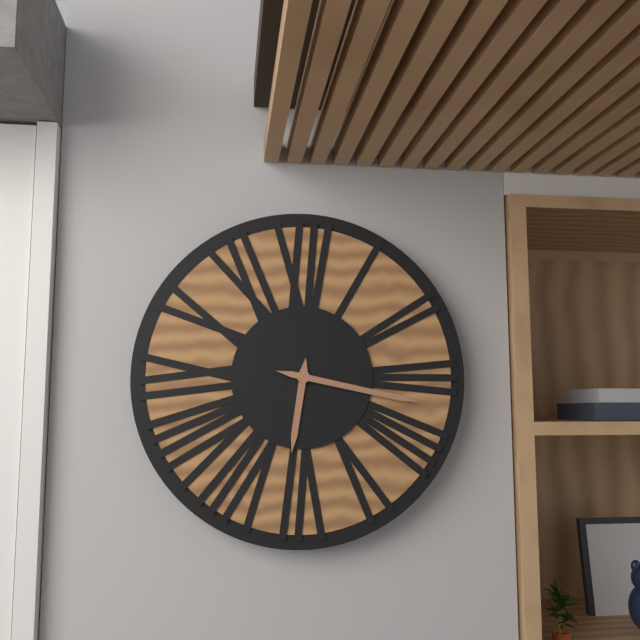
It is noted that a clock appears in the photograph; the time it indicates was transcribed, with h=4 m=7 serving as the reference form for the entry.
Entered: h=6 m=17
